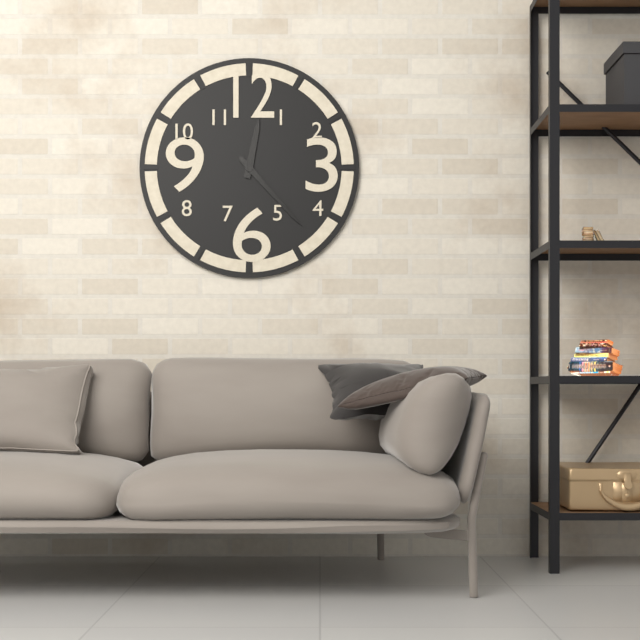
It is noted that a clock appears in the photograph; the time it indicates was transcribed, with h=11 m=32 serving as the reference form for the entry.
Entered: h=12 m=23
